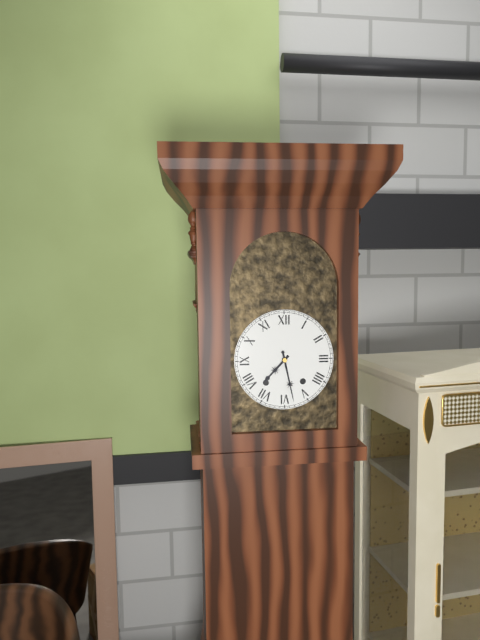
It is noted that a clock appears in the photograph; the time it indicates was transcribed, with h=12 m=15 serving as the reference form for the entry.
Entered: h=7 m=28
